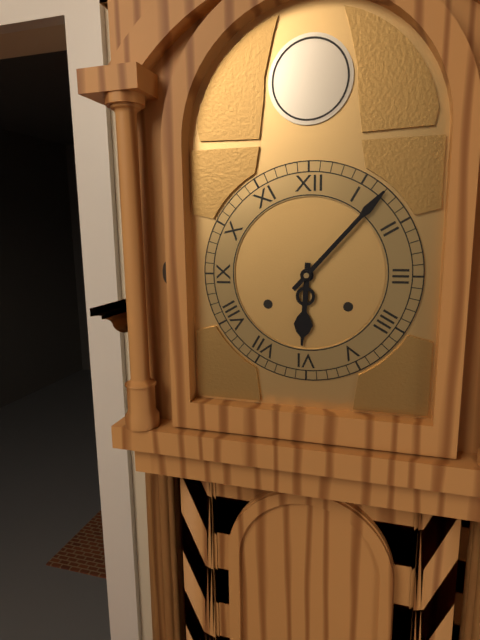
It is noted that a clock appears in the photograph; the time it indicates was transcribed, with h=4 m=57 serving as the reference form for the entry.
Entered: h=6 m=7
